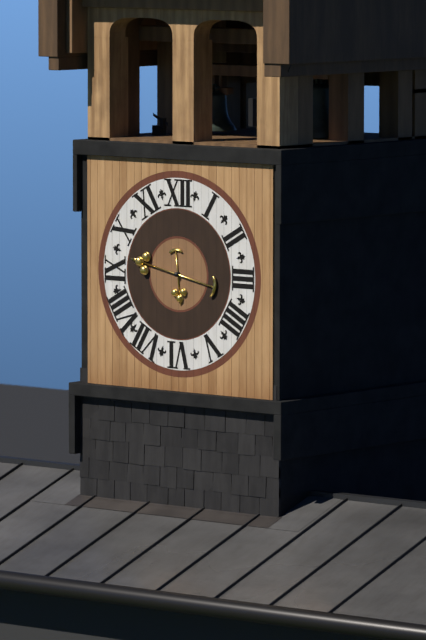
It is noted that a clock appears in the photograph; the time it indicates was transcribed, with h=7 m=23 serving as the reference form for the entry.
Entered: h=5 m=47
